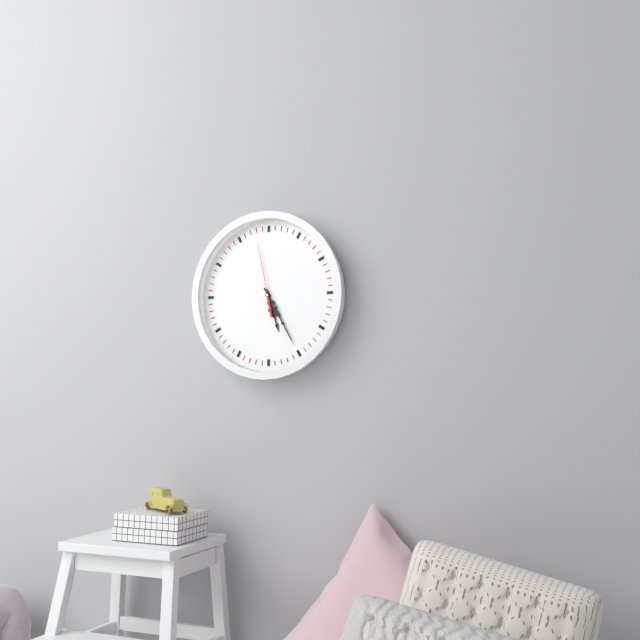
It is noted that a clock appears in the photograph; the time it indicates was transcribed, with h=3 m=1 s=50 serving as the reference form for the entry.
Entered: h=5 m=25 s=58
